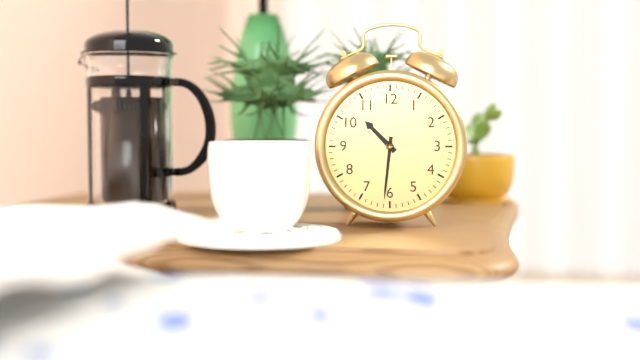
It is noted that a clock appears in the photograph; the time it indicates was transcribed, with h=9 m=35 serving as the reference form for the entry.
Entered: h=10 m=31
